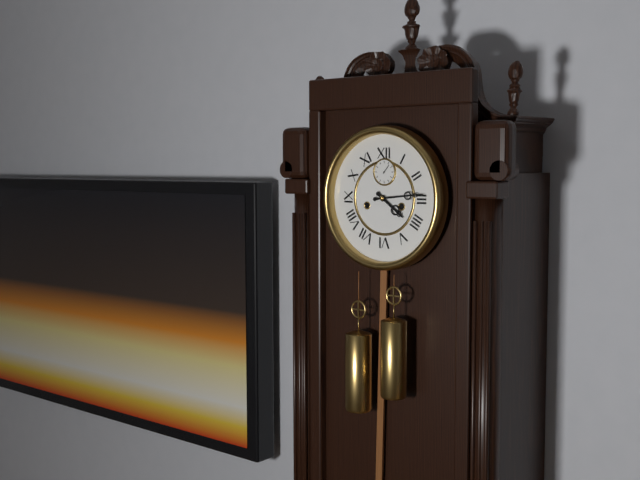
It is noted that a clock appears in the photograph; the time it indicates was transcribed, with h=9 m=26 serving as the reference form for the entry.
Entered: h=4 m=14
